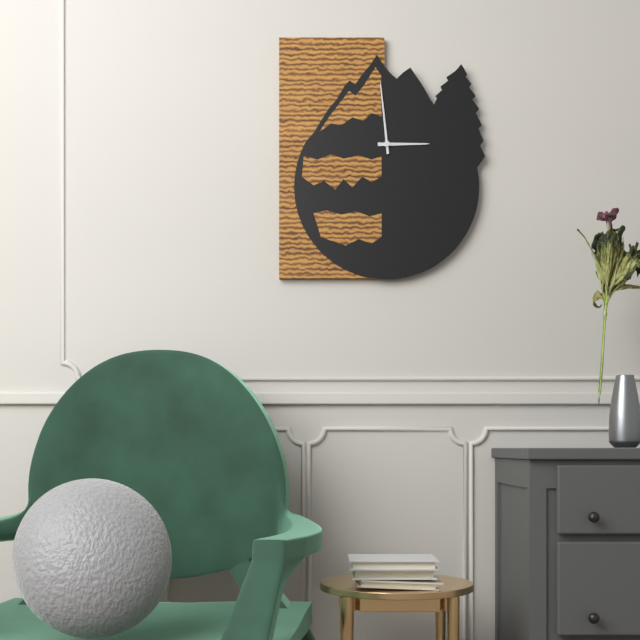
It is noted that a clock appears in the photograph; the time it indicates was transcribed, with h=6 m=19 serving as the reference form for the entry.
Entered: h=2 m=59
